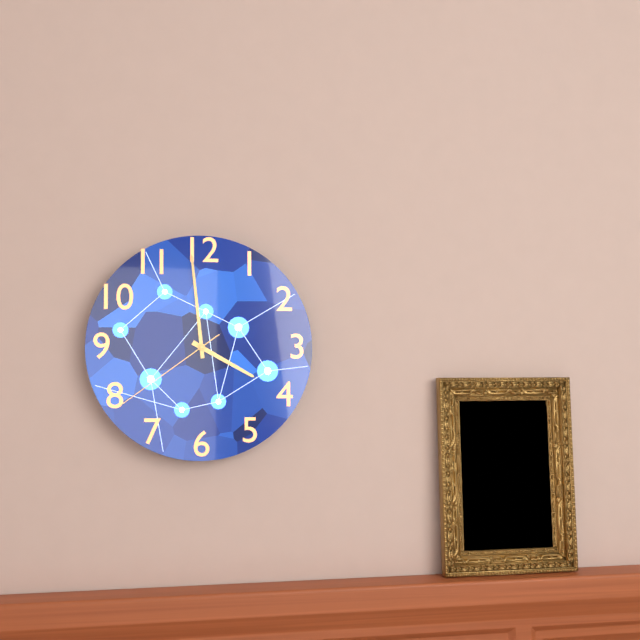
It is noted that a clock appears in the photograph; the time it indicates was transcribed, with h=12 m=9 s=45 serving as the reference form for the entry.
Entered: h=3 m=59 s=39
